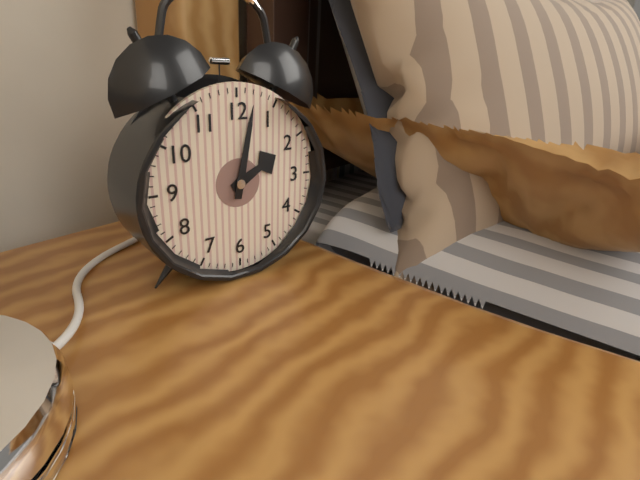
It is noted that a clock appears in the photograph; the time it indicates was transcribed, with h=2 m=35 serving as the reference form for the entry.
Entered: h=2 m=2
